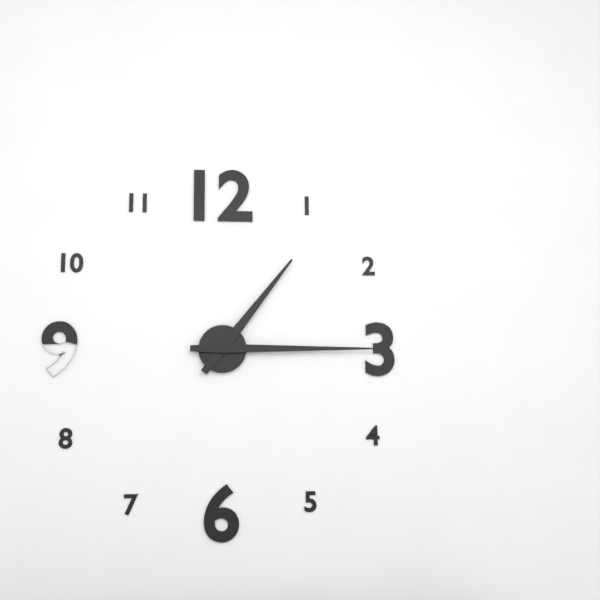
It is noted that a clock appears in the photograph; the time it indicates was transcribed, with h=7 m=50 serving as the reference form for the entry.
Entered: h=1 m=15
